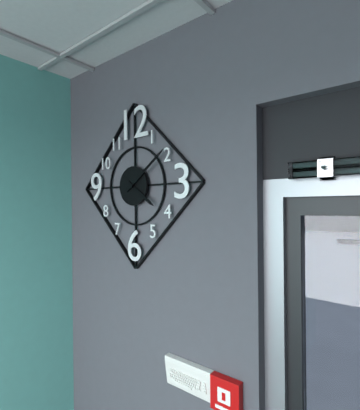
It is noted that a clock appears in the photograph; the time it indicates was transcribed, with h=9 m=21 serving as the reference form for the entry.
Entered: h=4 m=9
